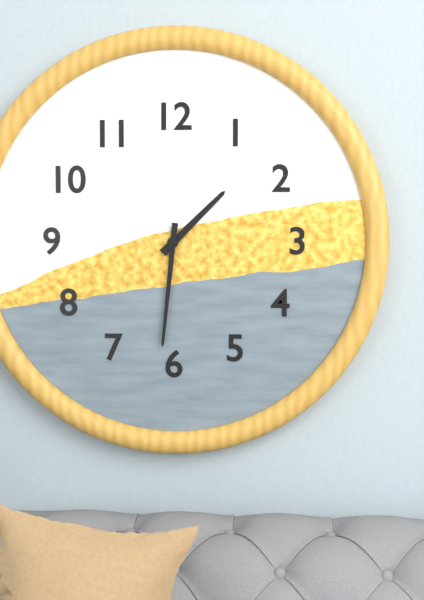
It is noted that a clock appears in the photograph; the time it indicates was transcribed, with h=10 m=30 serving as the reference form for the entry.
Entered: h=1 m=31
